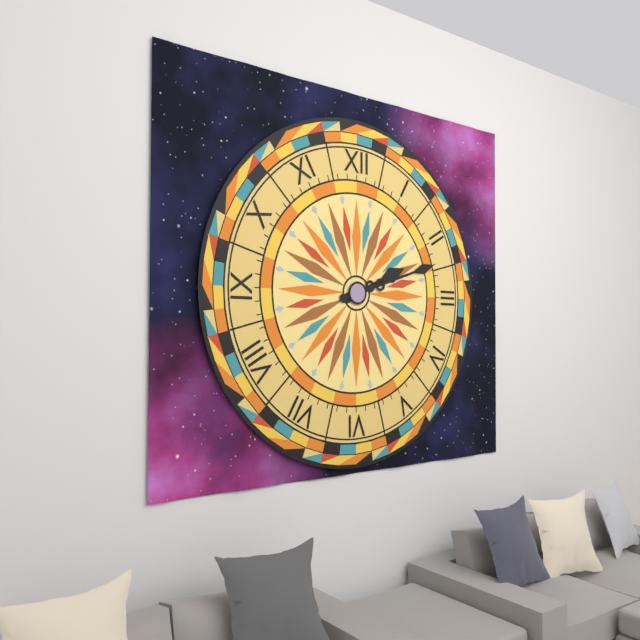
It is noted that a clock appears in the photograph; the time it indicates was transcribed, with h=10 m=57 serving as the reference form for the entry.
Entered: h=2 m=12
